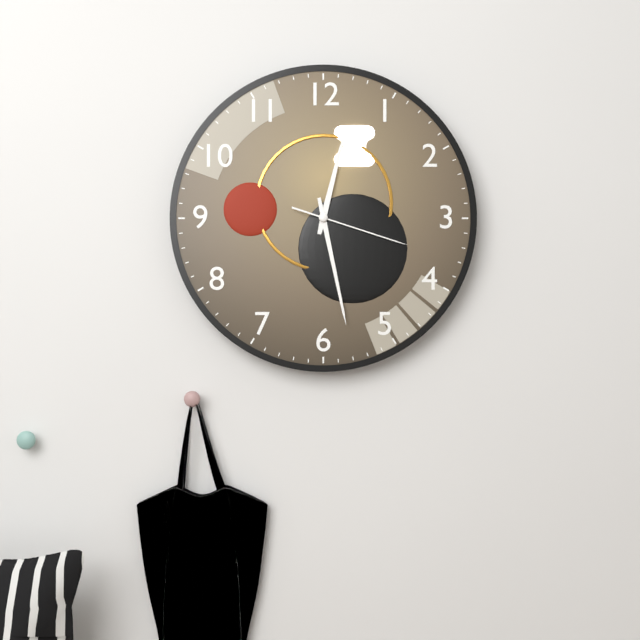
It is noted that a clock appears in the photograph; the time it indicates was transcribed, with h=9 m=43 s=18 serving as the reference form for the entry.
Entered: h=12 m=28 s=18
